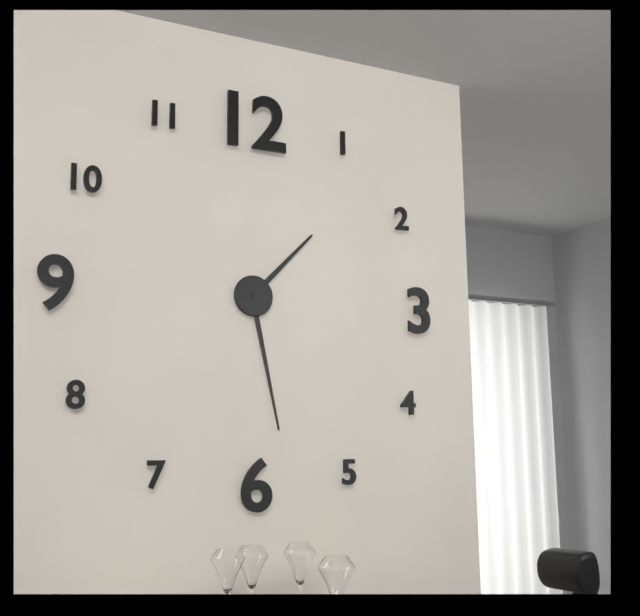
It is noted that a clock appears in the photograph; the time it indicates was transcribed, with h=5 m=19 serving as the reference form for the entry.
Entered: h=1 m=28
